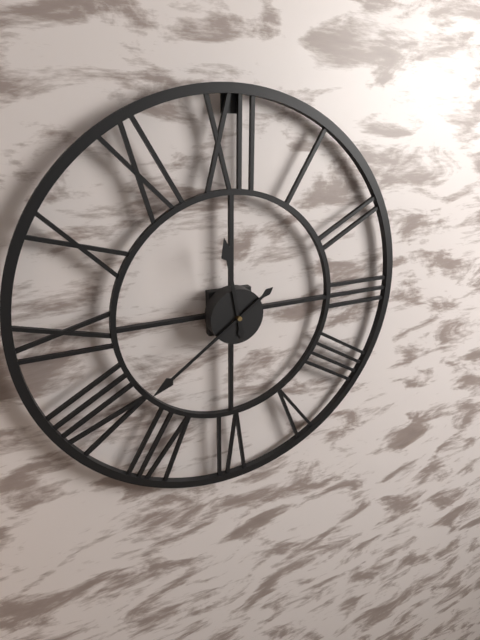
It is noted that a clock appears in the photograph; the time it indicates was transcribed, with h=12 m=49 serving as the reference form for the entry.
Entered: h=11 m=39
